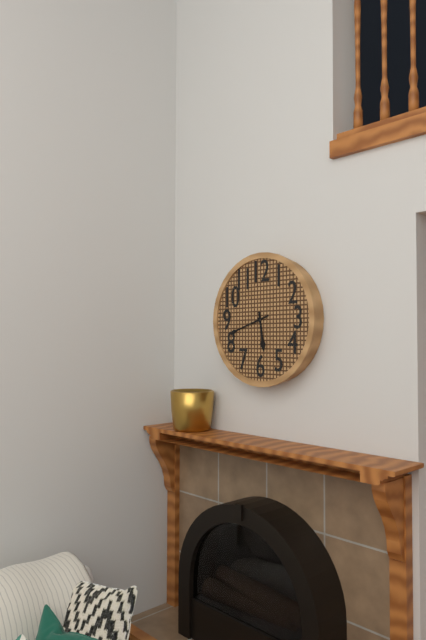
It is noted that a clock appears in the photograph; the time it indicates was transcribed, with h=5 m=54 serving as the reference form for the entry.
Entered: h=5 m=42
